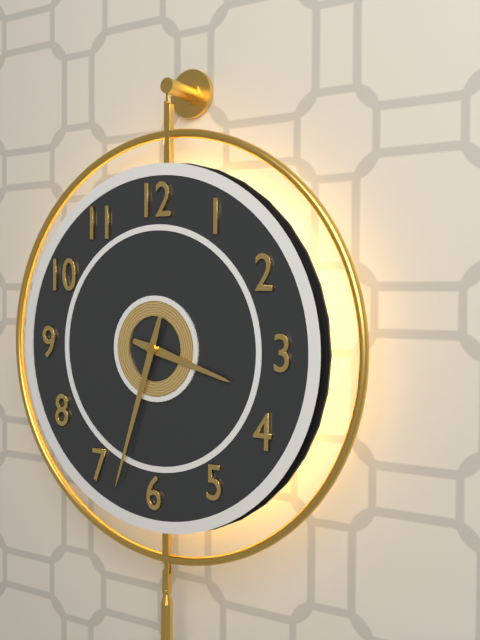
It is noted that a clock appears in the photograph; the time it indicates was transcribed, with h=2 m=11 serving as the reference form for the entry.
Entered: h=3 m=33
